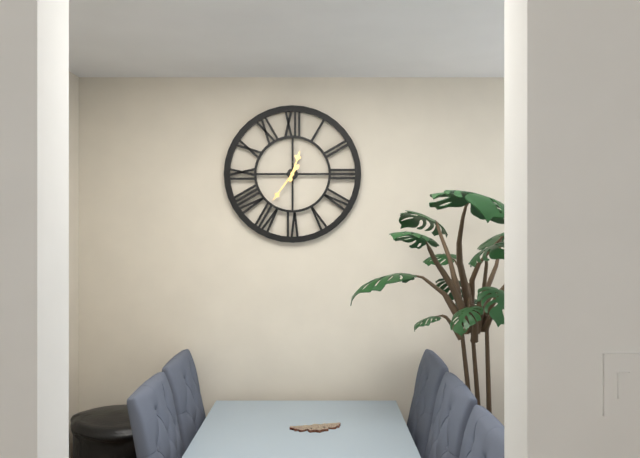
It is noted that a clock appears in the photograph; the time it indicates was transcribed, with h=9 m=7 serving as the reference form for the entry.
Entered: h=12 m=36
